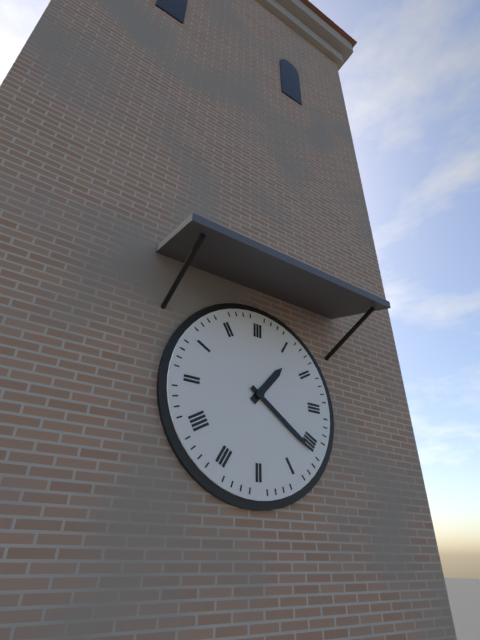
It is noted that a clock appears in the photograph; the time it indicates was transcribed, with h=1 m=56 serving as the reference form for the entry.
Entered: h=1 m=21
